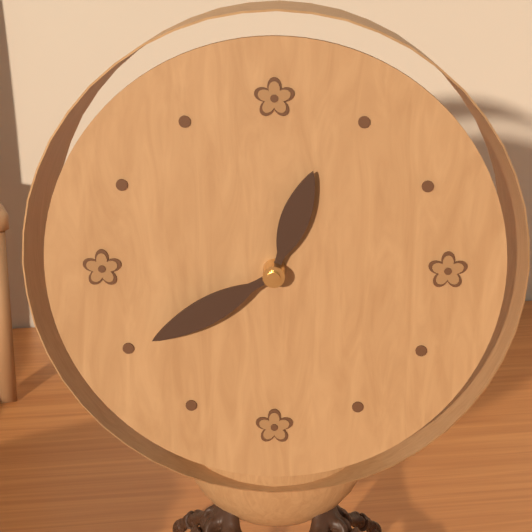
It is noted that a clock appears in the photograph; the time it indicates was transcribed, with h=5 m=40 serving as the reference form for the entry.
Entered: h=12 m=40
